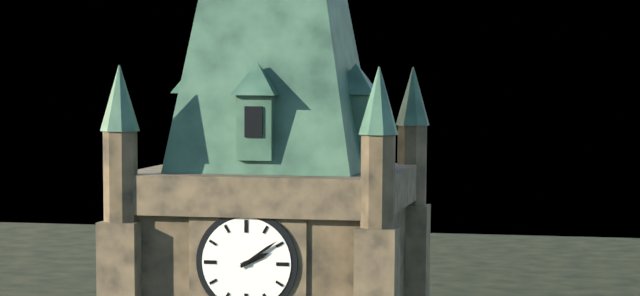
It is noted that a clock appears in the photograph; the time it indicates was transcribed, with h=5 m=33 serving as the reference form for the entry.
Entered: h=2 m=9
